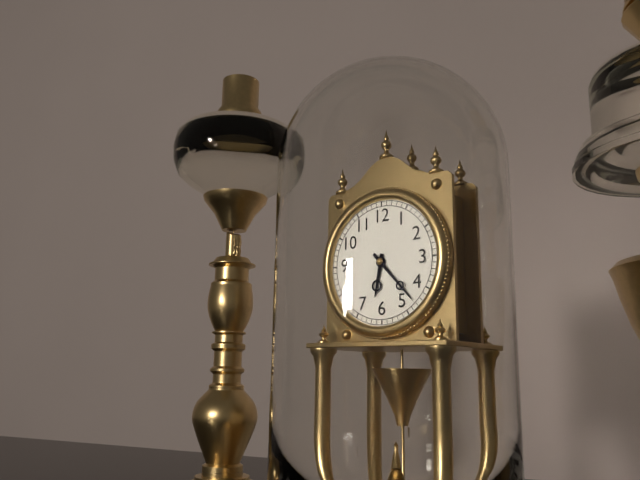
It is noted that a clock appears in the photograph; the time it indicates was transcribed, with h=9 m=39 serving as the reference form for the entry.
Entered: h=6 m=23
